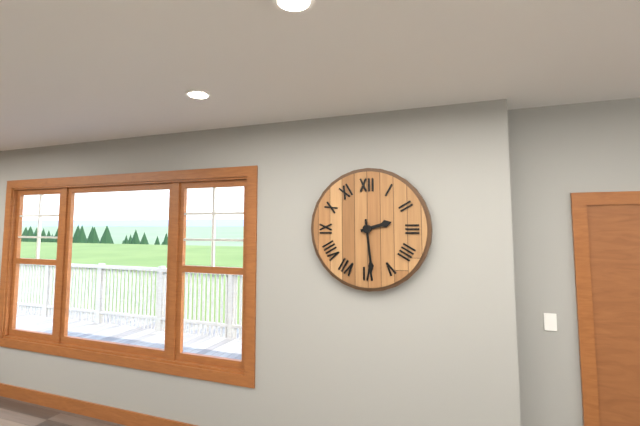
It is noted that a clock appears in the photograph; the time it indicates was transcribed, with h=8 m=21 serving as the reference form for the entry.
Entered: h=2 m=29
